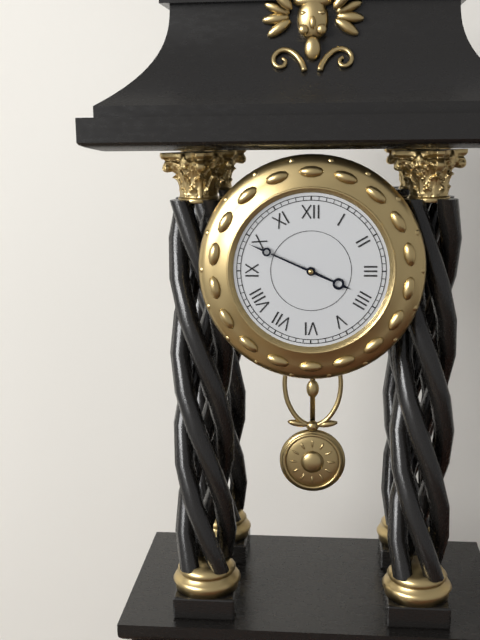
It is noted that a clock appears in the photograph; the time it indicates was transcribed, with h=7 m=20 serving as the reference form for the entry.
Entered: h=3 m=49
